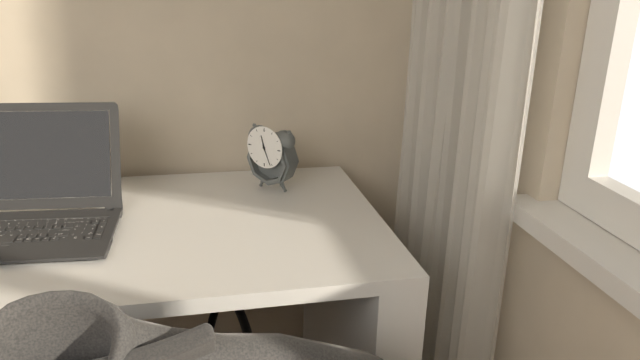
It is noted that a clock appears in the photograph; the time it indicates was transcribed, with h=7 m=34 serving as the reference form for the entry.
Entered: h=11 m=26
